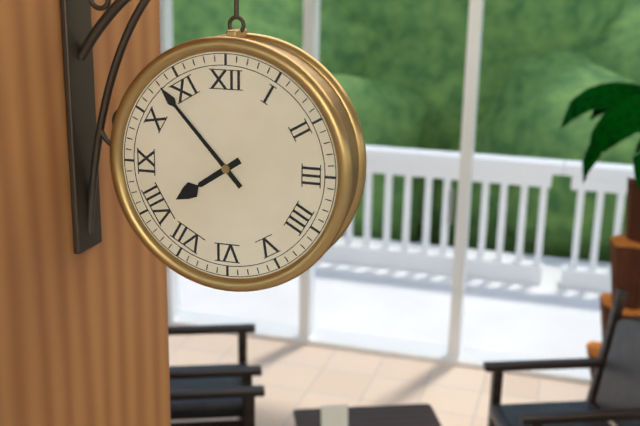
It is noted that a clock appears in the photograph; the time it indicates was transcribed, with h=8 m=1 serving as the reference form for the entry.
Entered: h=7 m=53
